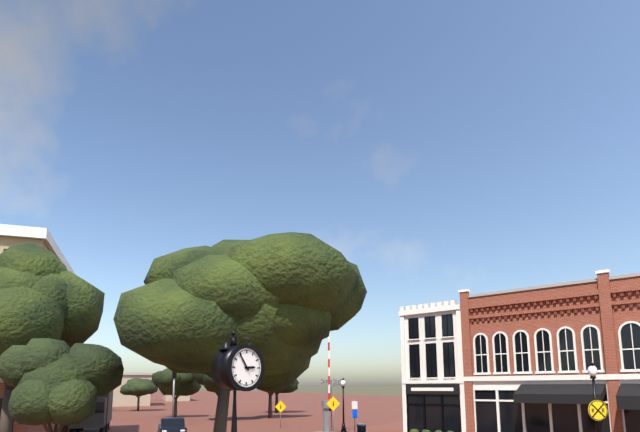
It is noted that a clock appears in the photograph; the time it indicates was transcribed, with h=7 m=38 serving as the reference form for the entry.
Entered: h=2 m=54
